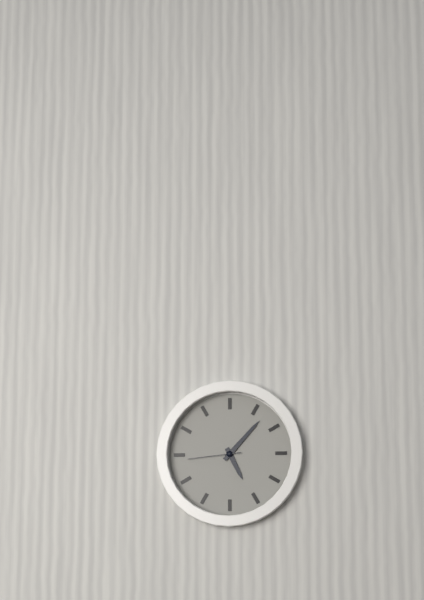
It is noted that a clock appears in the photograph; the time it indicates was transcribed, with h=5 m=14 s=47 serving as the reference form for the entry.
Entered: h=5 m=7 s=44
